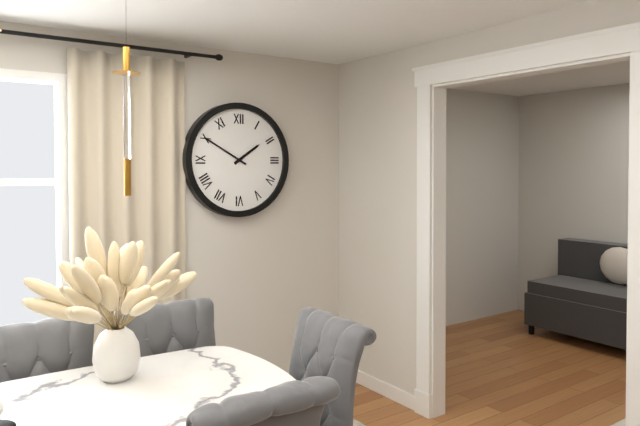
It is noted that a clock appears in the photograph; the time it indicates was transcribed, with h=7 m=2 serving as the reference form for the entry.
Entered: h=1 m=50
